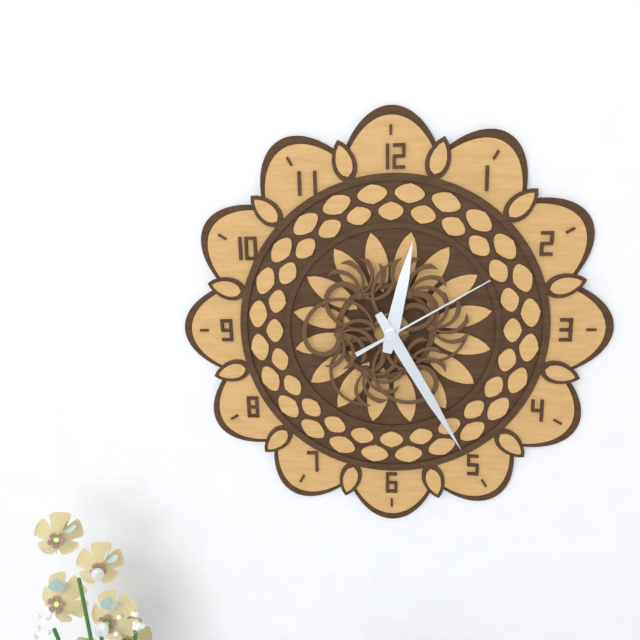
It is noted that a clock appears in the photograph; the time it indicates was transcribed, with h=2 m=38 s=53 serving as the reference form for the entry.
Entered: h=12 m=25 s=10
